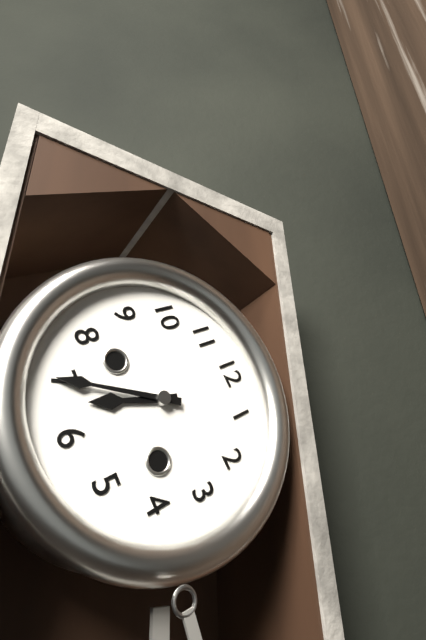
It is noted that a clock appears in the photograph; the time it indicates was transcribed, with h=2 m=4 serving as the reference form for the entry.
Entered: h=6 m=35
